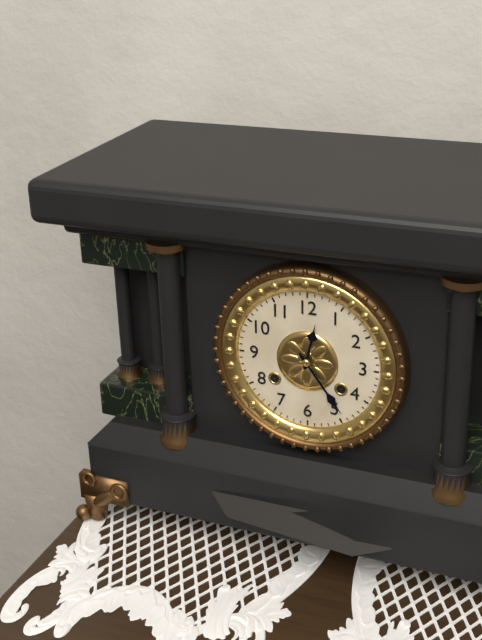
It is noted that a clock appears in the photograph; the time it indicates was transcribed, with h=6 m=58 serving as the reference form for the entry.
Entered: h=12 m=24
